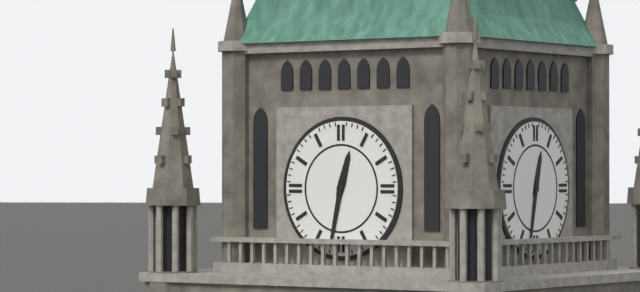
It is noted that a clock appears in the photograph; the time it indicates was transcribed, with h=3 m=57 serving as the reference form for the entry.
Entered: h=12 m=32
